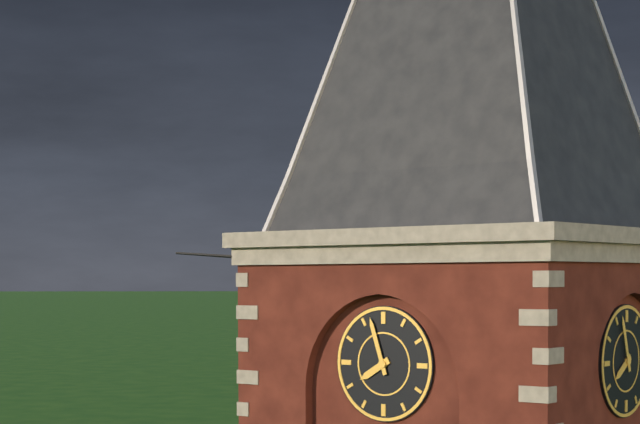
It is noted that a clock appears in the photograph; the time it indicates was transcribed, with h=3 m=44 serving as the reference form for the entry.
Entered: h=7 m=57
